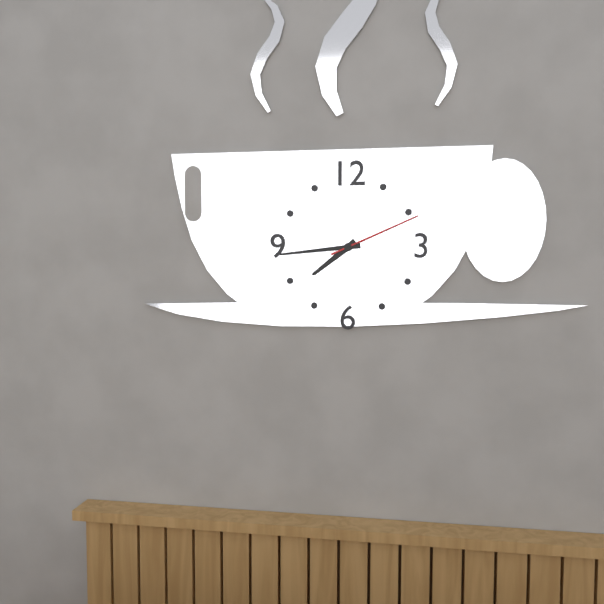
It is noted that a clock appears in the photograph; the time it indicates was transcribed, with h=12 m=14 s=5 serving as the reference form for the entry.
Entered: h=7 m=44 s=11
